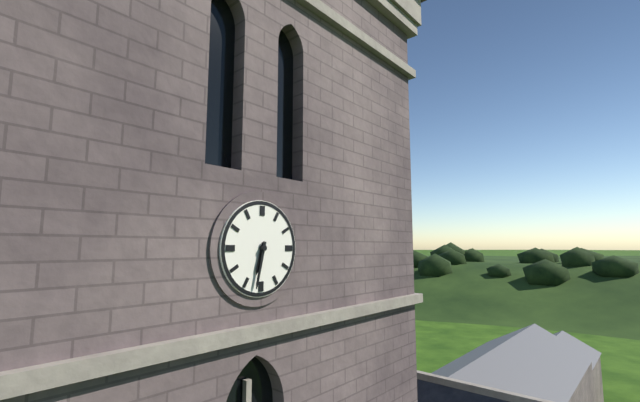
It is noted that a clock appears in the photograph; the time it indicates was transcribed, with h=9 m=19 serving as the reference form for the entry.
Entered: h=6 m=32
